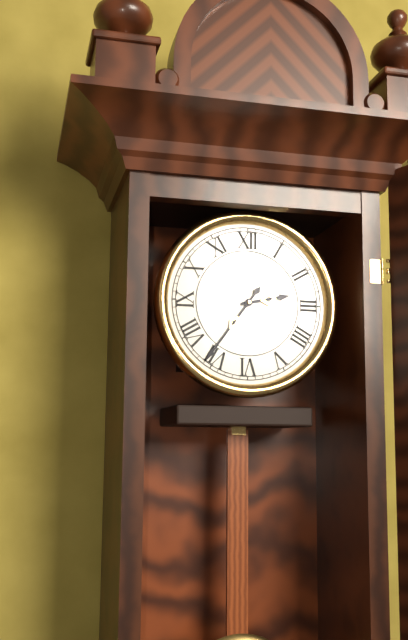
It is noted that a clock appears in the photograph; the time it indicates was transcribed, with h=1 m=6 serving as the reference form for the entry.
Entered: h=2 m=36
